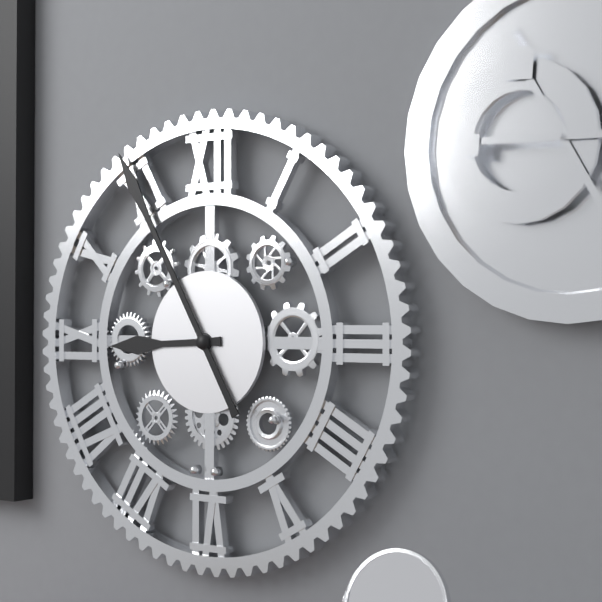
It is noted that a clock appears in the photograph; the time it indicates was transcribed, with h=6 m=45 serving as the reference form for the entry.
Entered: h=8 m=55
